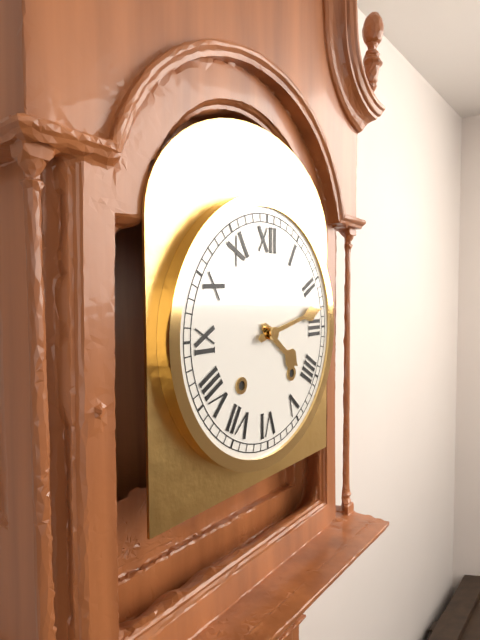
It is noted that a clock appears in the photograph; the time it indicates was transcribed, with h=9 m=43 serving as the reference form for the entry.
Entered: h=4 m=13
